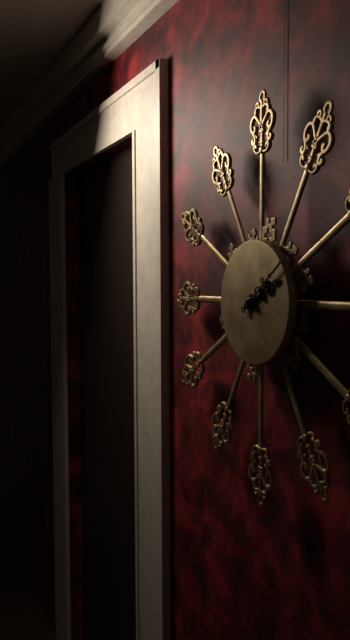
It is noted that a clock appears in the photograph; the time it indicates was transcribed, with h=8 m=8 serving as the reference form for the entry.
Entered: h=2 m=9
